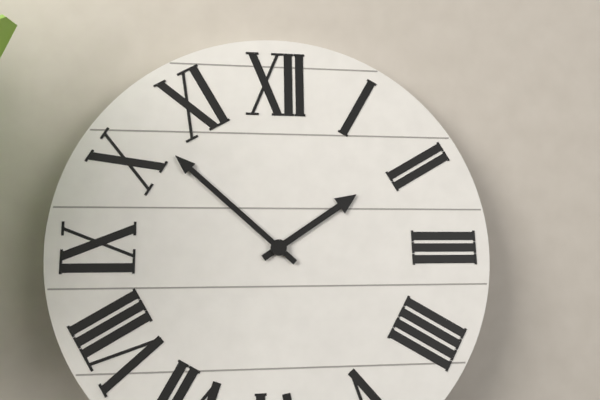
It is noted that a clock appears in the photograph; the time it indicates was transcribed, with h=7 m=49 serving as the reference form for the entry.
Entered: h=1 m=52
